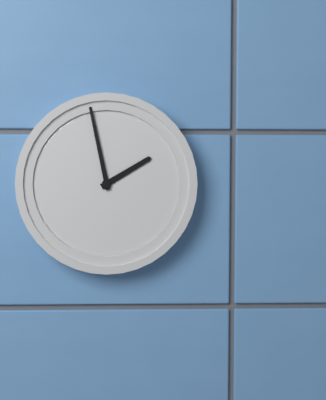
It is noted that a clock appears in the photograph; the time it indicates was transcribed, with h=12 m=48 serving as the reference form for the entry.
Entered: h=1 m=58
